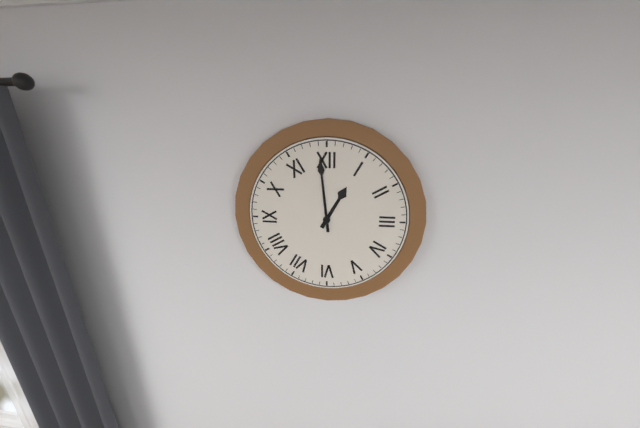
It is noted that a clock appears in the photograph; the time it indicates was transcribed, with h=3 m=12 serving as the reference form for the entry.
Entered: h=12 m=59
